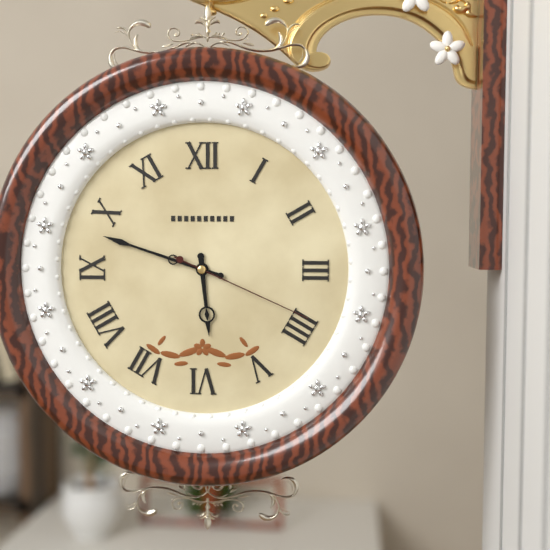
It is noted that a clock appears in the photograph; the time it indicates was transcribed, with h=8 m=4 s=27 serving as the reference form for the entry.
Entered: h=5 m=48 s=19
